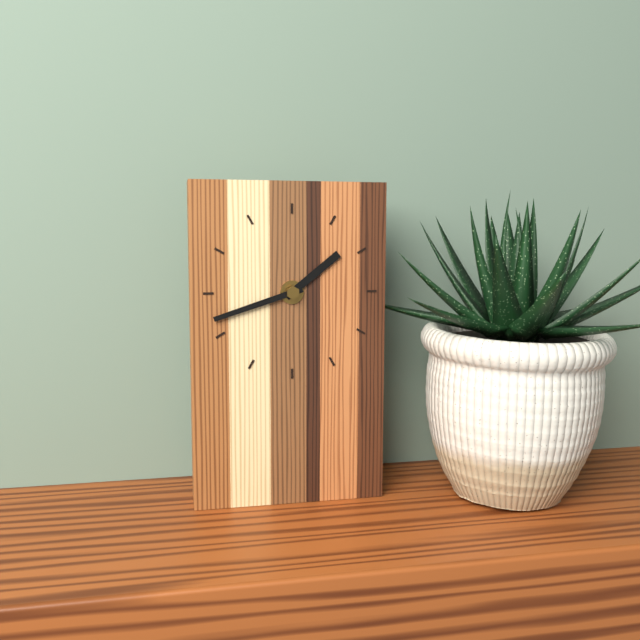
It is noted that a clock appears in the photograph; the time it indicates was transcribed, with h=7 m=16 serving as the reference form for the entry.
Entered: h=1 m=42
